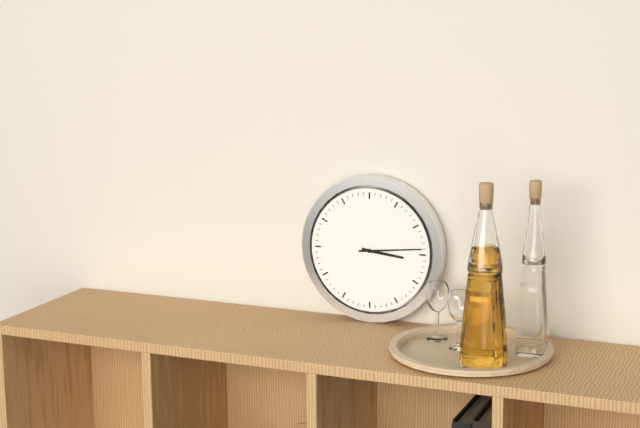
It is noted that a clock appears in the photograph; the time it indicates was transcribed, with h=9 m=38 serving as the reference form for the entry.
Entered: h=3 m=14
